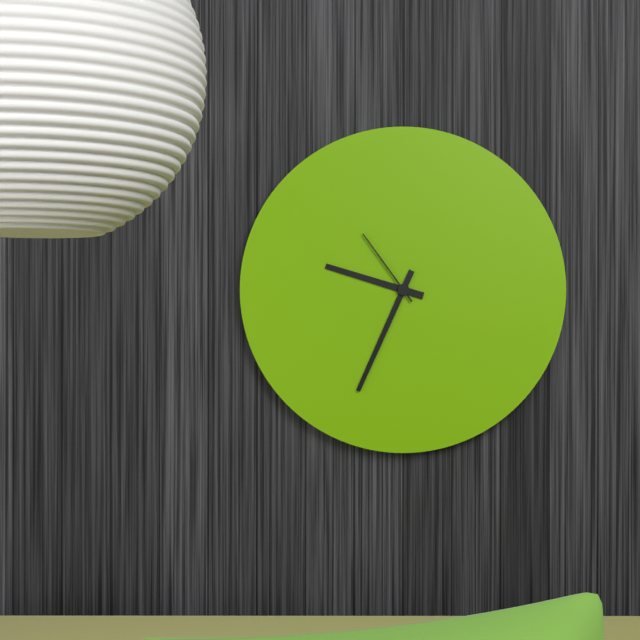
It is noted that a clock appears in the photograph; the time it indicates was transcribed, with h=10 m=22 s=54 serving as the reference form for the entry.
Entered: h=9 m=34 s=54
